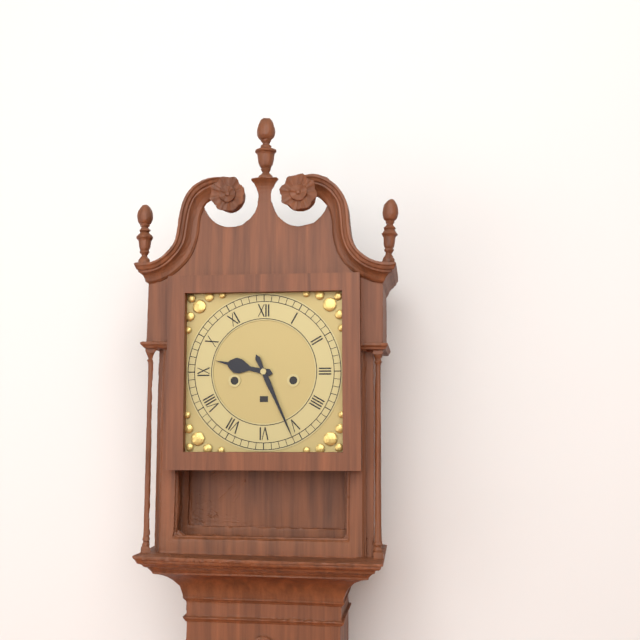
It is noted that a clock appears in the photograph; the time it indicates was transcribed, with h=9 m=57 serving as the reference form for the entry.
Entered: h=9 m=26
